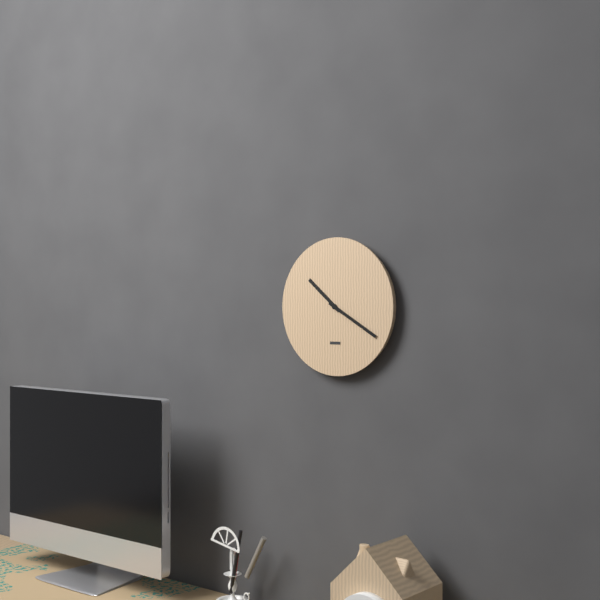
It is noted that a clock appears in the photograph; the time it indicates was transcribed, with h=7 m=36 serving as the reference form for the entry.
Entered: h=10 m=20
